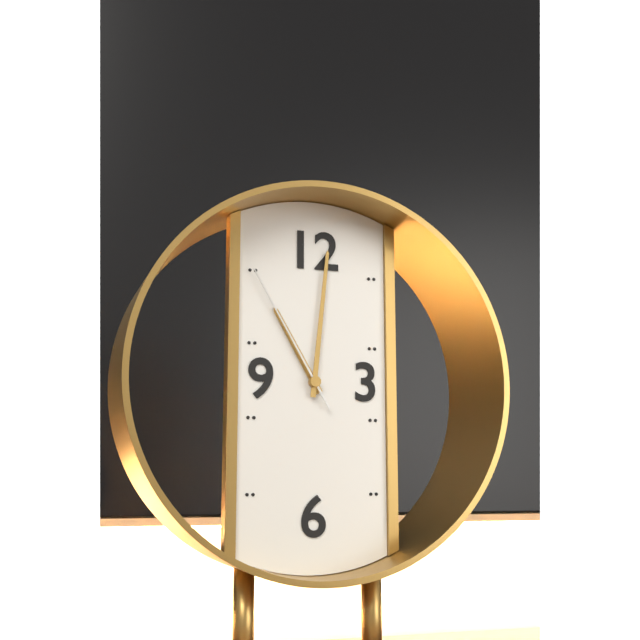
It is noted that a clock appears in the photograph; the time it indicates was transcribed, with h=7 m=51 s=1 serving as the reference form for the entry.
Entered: h=11 m=1 s=55
